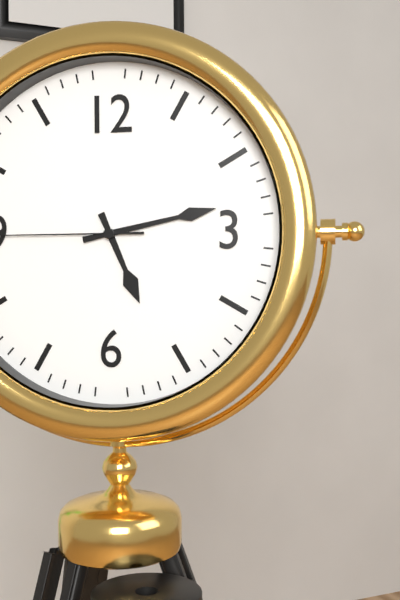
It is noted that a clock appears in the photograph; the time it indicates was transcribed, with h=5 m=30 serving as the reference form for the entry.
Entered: h=5 m=13
